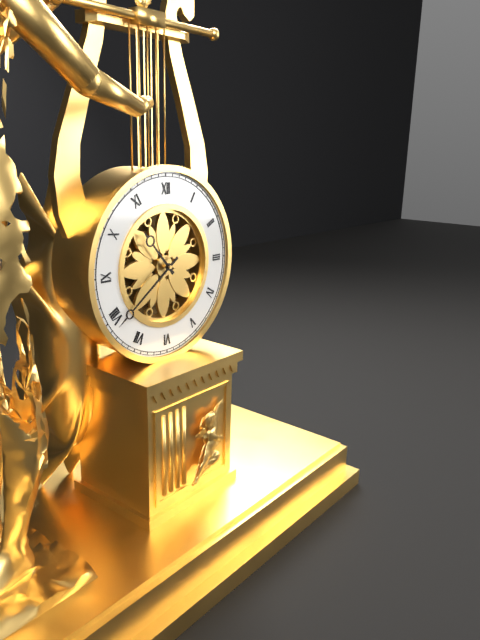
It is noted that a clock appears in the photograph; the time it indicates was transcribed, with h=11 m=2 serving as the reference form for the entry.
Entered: h=10 m=39
